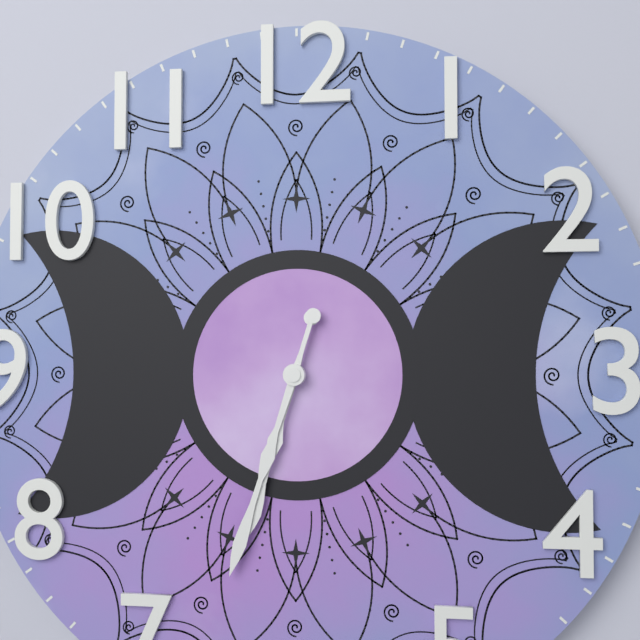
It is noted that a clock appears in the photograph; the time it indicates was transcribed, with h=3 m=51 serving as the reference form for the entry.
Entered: h=6 m=33
